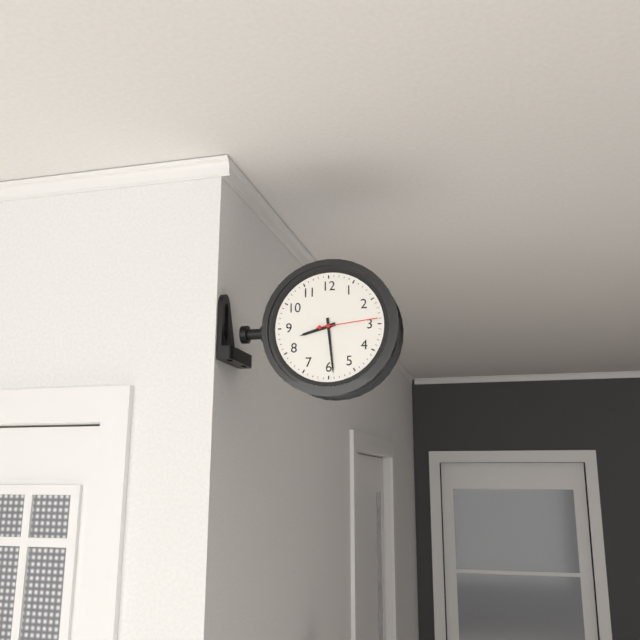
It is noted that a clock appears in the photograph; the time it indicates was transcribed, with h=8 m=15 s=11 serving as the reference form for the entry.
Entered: h=8 m=29 s=14
